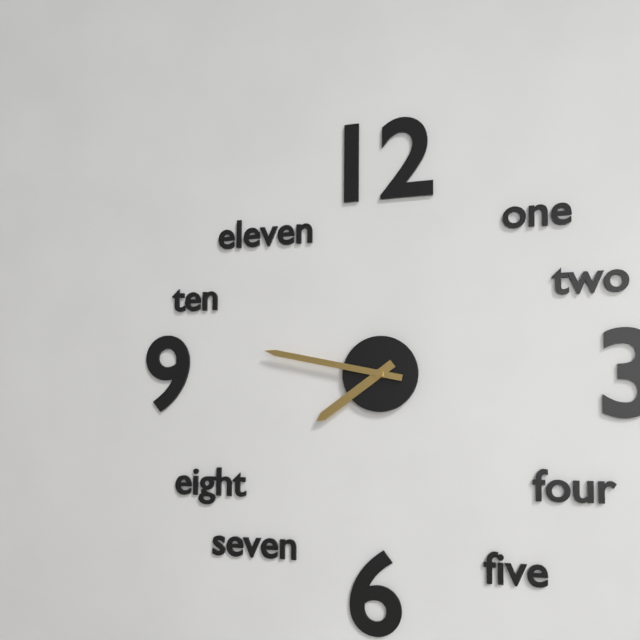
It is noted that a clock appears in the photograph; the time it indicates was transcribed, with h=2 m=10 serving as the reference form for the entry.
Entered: h=7 m=47
